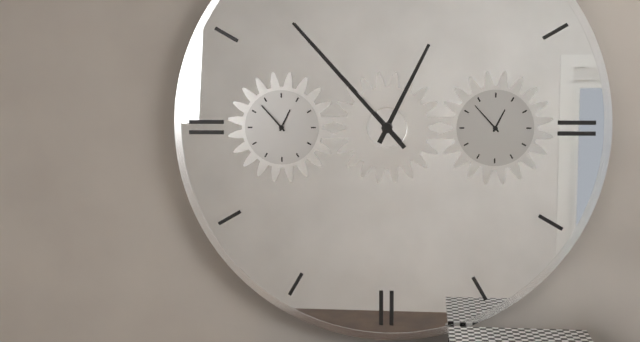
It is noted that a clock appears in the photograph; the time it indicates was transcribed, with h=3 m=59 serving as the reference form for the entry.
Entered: h=12 m=53
